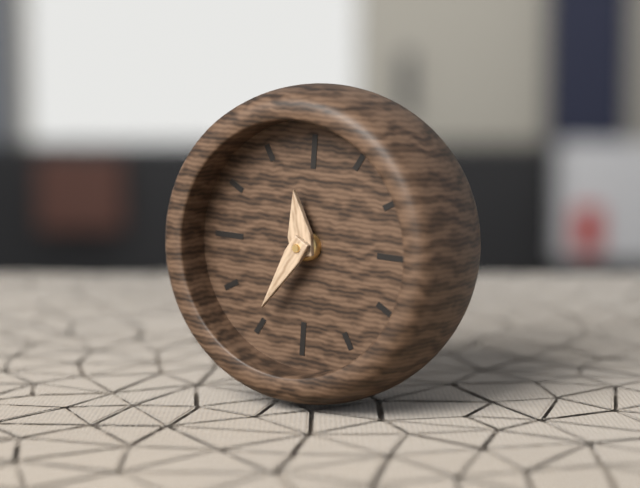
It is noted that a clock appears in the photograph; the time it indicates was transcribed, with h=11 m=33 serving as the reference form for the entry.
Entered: h=11 m=35
